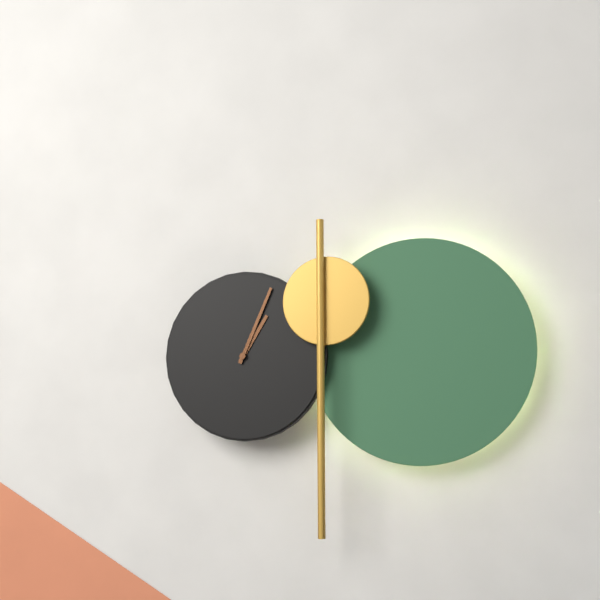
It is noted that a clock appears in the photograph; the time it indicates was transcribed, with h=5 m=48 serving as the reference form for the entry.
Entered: h=1 m=4
